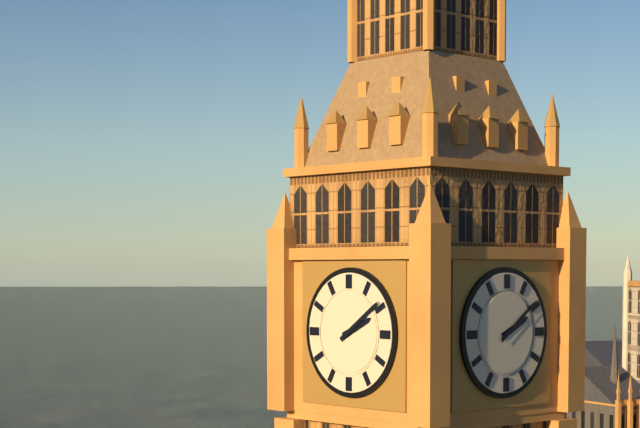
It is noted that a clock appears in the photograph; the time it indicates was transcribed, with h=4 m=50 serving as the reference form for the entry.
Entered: h=2 m=9
